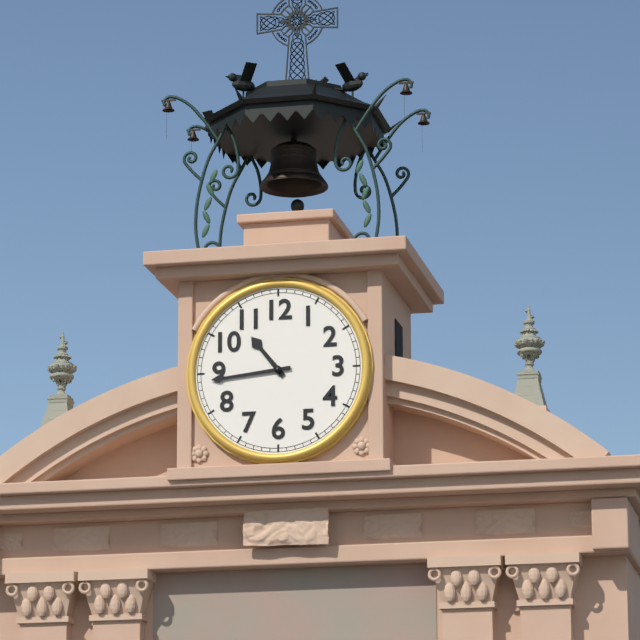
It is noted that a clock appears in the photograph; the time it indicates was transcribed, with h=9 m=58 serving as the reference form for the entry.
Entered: h=10 m=44
